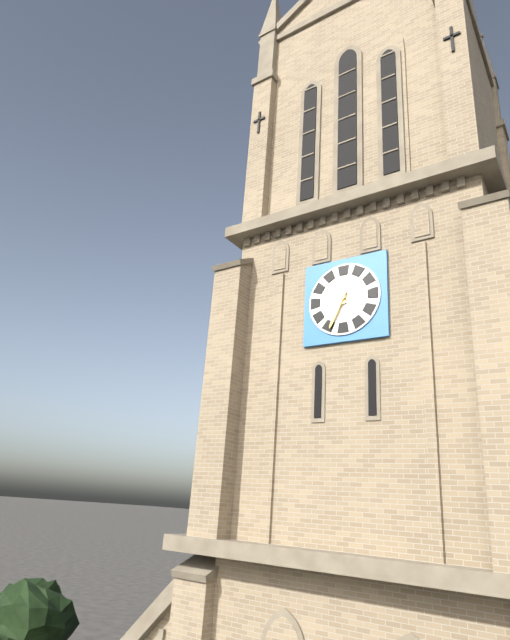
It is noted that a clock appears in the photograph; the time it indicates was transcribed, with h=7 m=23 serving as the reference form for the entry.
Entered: h=11 m=34
